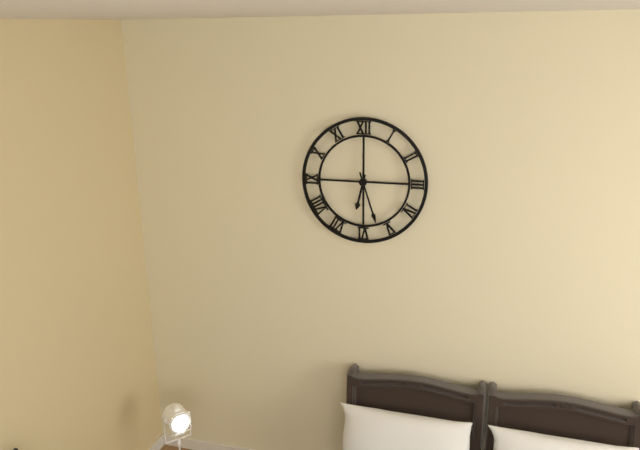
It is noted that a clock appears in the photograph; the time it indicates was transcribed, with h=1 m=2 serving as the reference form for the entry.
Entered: h=6 m=27
